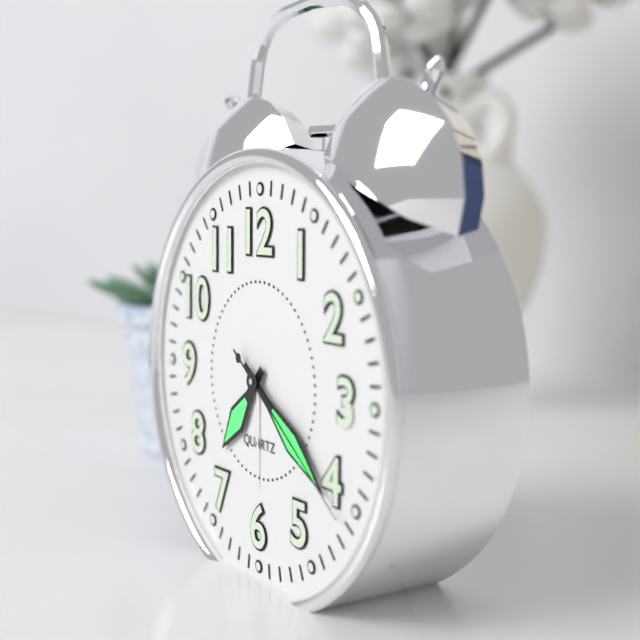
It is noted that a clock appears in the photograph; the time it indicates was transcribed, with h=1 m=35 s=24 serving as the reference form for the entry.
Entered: h=7 m=21 s=21
